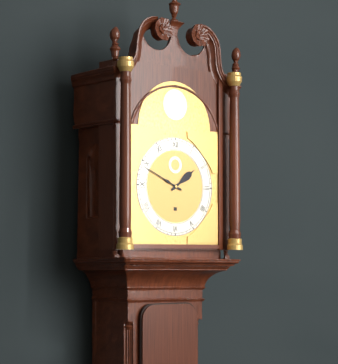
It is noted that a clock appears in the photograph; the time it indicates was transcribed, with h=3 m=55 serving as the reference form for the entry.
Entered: h=1 m=49
